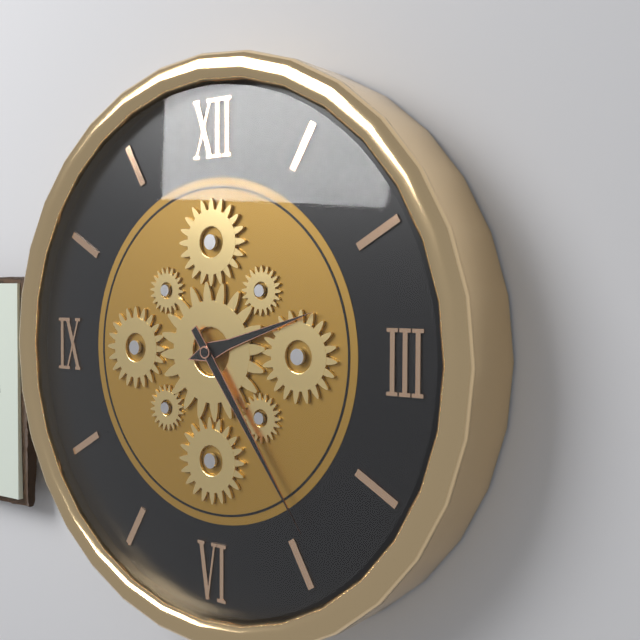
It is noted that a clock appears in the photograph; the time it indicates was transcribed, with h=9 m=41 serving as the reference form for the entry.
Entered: h=2 m=24
